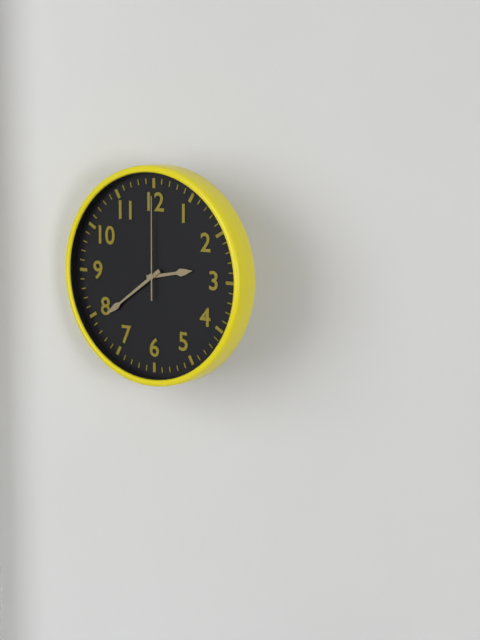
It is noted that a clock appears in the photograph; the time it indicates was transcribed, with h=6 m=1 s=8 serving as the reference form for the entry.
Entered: h=2 m=39 s=0
